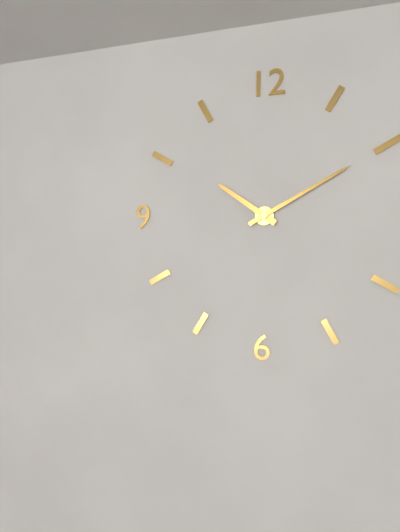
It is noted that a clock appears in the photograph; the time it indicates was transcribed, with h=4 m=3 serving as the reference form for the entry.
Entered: h=10 m=10
